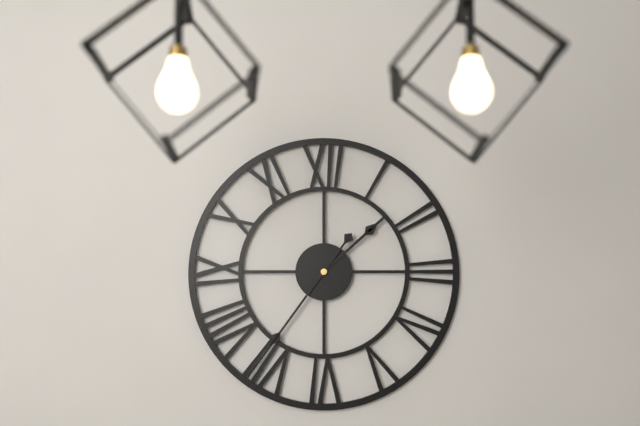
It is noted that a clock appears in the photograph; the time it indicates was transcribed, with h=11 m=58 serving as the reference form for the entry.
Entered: h=1 m=36
